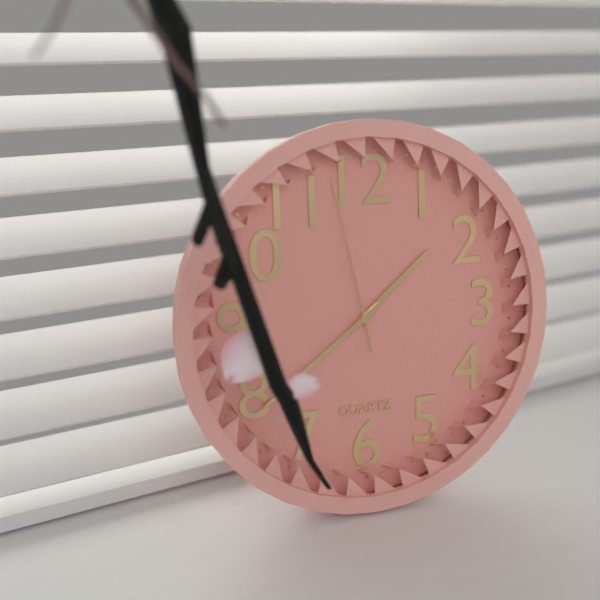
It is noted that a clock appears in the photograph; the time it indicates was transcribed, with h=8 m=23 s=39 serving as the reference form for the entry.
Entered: h=1 m=39 s=58
